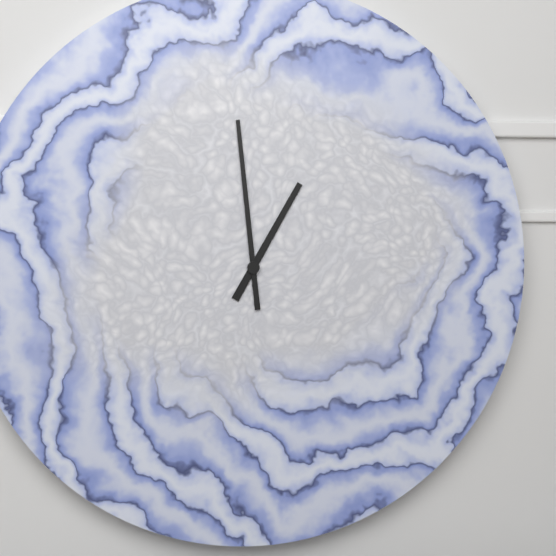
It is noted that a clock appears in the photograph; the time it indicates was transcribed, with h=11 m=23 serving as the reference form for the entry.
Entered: h=12 m=59
